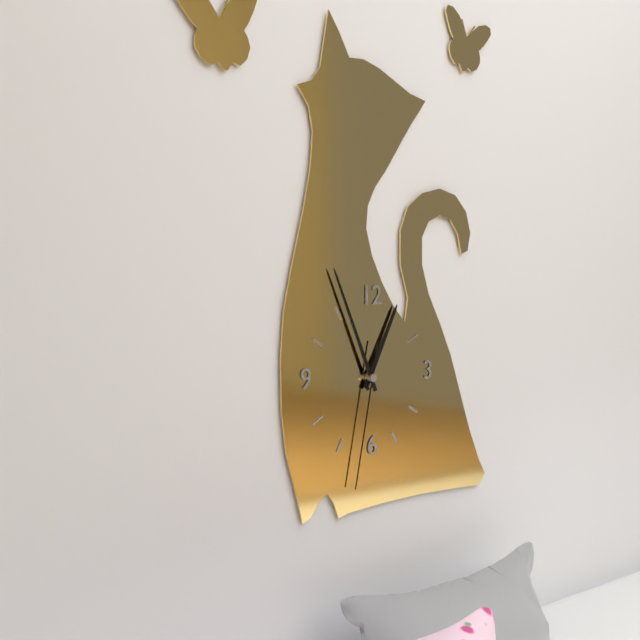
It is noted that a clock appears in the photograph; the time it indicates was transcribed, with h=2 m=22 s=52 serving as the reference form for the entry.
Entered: h=12 m=56 s=32
